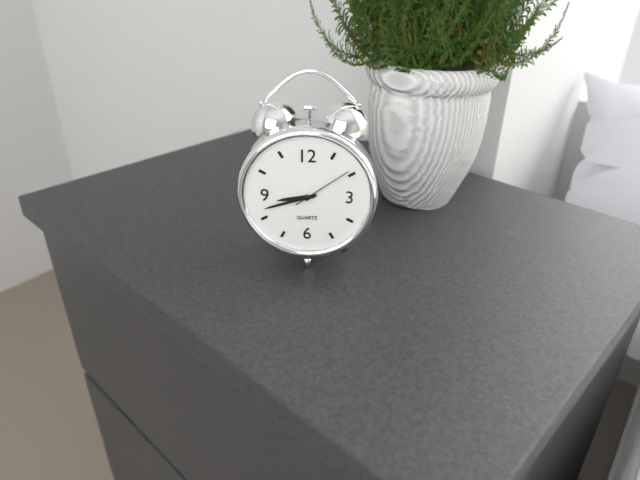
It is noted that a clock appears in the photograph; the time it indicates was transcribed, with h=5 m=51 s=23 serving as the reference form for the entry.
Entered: h=8 m=42 s=9
